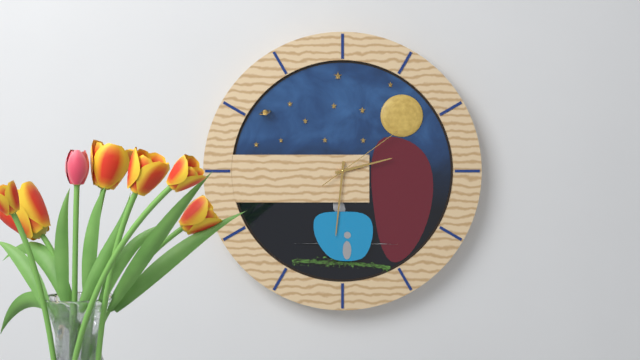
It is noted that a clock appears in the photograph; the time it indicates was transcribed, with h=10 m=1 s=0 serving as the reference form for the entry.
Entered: h=2 m=31 s=9
